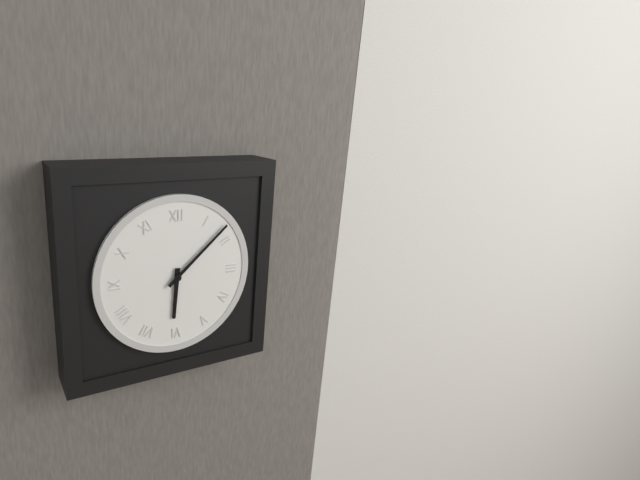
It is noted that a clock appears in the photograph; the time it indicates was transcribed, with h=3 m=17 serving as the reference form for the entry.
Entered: h=6 m=8
